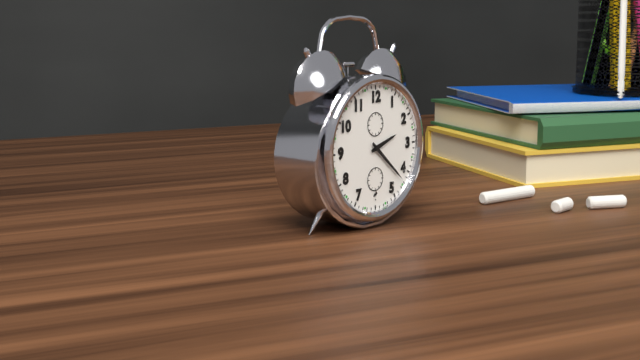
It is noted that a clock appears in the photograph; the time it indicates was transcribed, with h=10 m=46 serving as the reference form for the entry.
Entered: h=2 m=22
